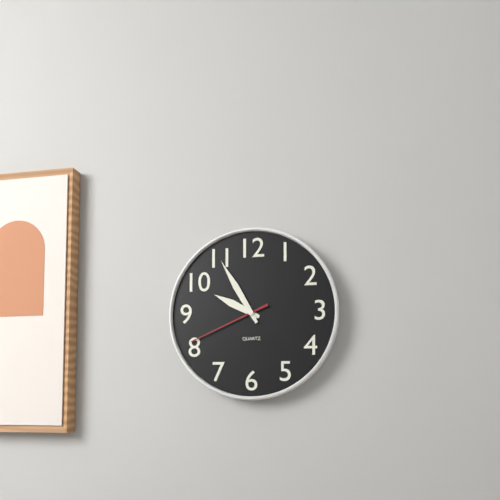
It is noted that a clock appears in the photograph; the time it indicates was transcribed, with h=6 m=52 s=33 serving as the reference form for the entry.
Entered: h=9 m=55 s=41
